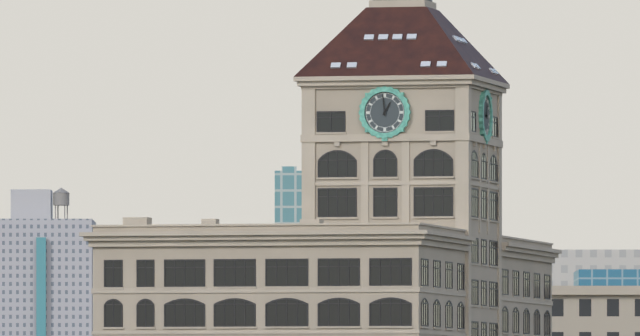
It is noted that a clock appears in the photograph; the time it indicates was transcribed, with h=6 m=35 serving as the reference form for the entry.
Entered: h=12 m=59
